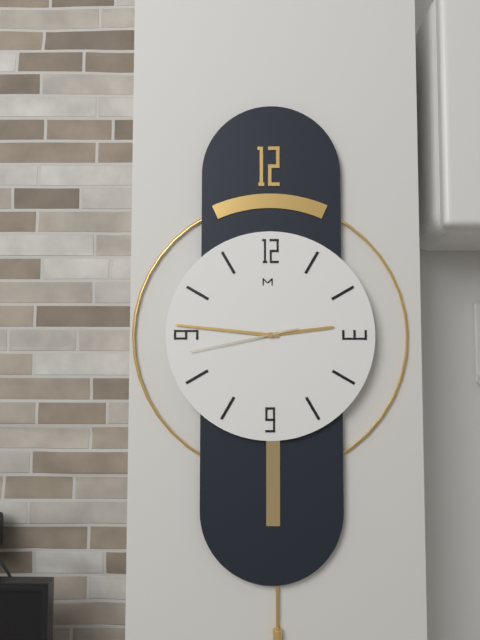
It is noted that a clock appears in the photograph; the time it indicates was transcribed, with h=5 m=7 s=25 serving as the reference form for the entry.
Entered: h=2 m=46 s=43
